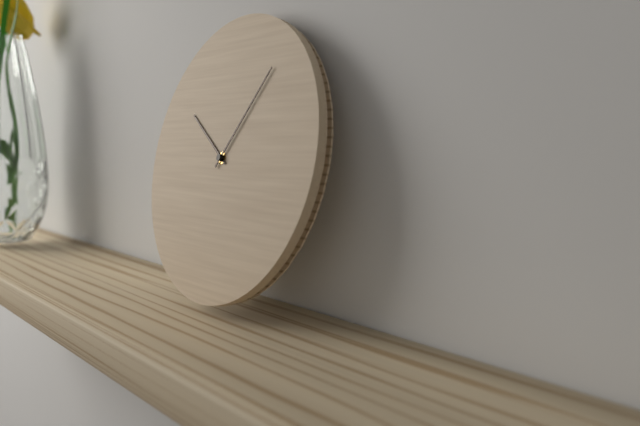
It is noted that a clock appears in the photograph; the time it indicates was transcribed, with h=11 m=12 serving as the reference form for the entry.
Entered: h=10 m=6
